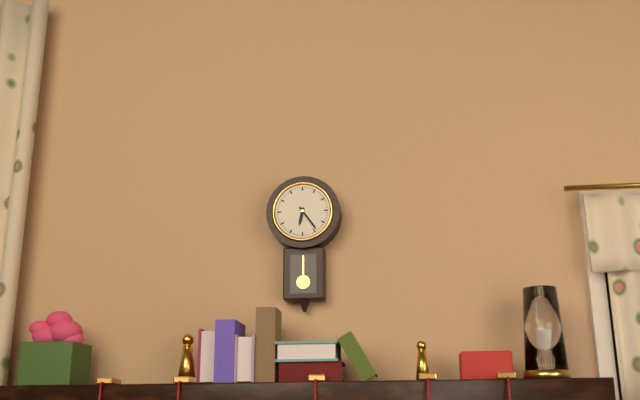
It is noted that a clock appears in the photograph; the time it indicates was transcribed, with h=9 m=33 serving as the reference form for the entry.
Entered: h=6 m=24
